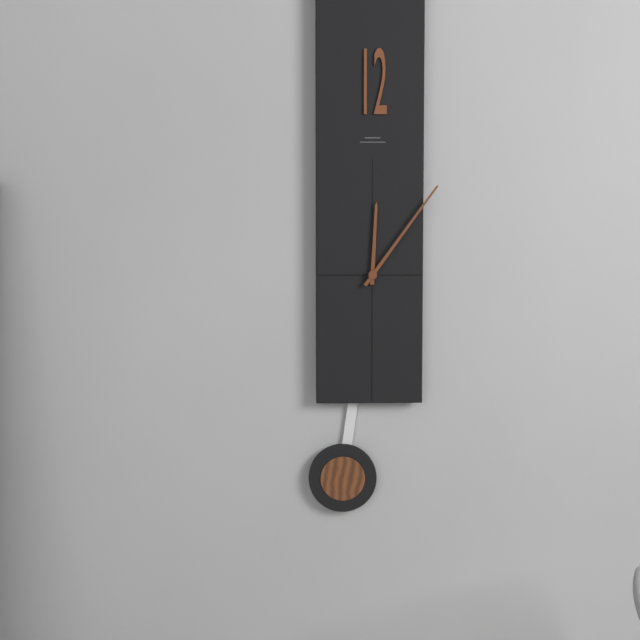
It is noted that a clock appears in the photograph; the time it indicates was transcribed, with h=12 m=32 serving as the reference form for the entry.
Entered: h=12 m=6
